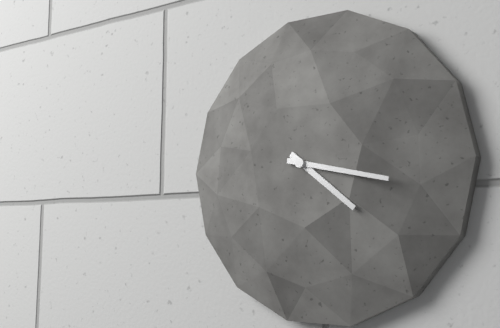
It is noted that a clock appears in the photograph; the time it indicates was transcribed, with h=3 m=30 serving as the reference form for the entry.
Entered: h=4 m=17
